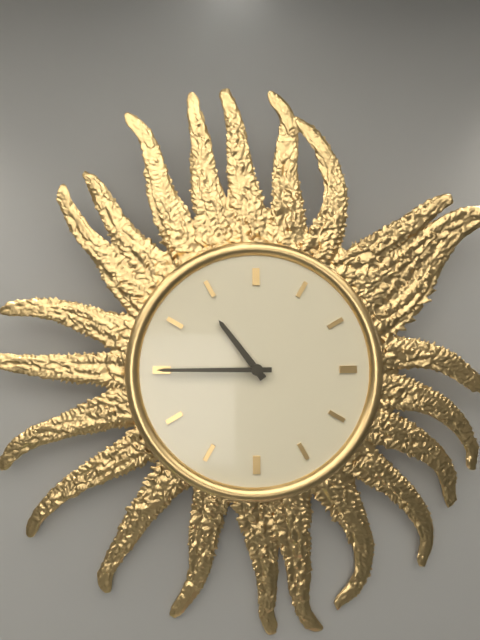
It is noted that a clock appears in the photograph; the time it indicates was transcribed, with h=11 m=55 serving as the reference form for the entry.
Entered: h=10 m=45
